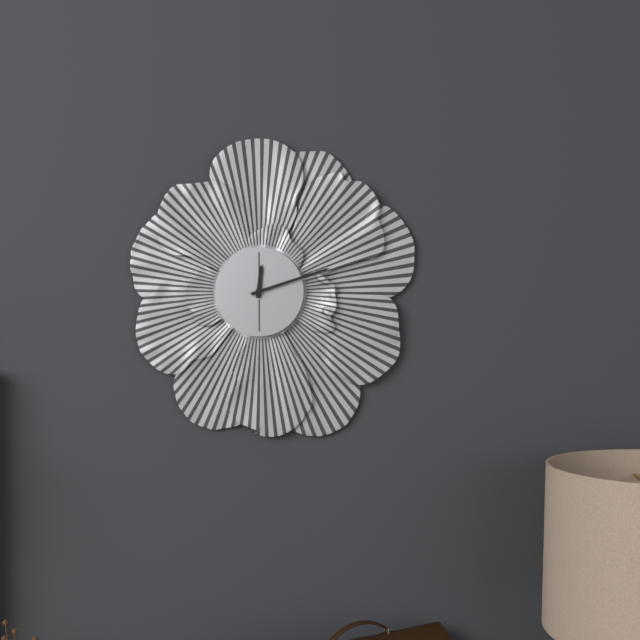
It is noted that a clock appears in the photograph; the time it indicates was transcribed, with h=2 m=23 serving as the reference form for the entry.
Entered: h=12 m=12
